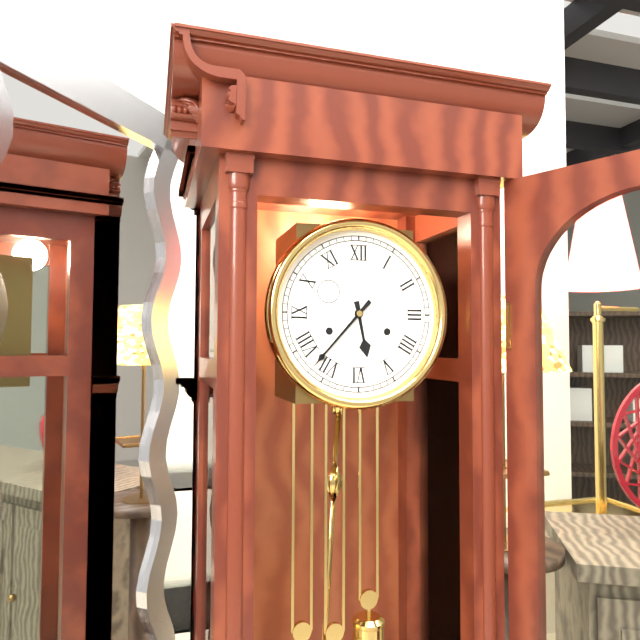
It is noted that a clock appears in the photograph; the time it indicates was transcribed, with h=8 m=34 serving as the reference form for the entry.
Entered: h=5 m=37
